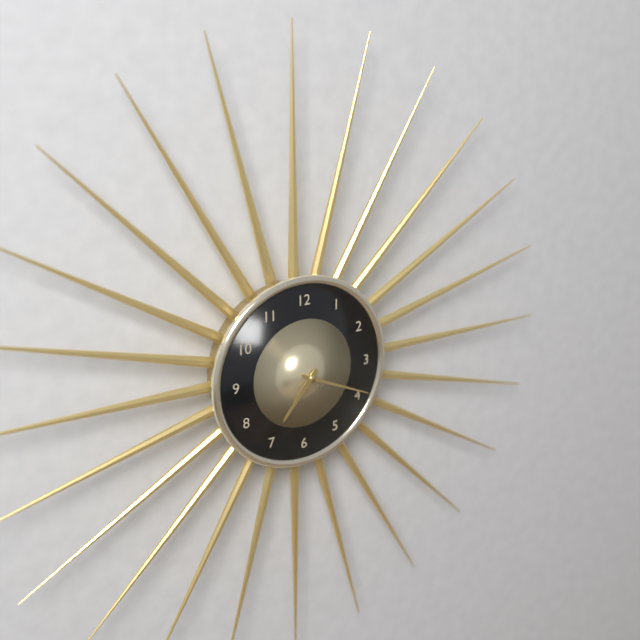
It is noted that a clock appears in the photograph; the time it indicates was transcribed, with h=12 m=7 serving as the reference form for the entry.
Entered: h=7 m=19
